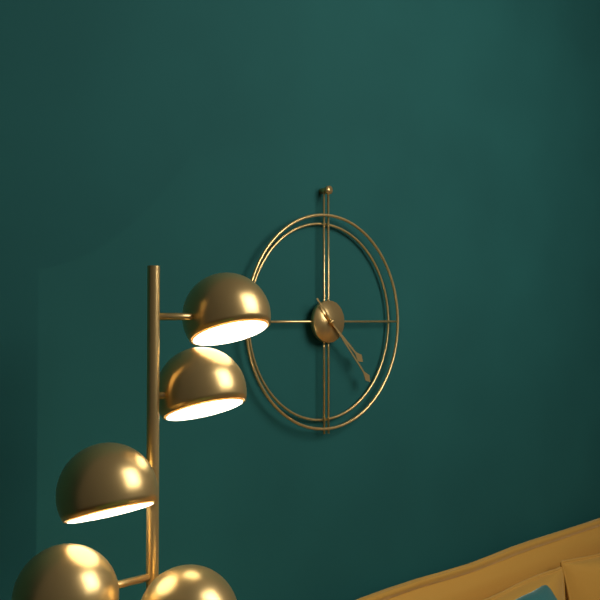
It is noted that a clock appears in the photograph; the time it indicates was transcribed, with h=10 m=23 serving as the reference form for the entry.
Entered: h=4 m=23
